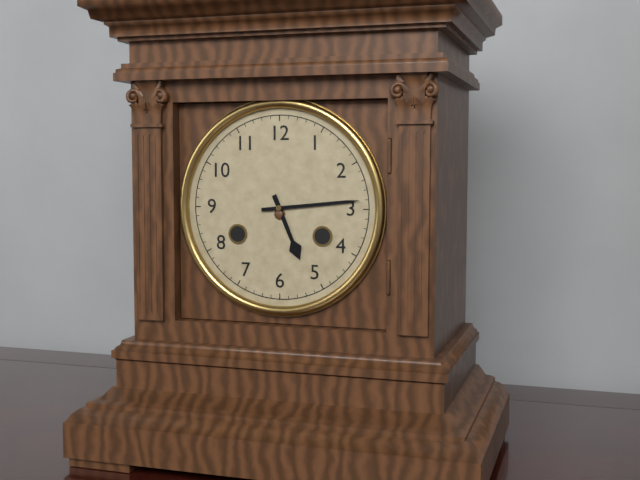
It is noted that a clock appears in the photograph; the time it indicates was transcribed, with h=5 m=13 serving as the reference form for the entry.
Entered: h=5 m=14
